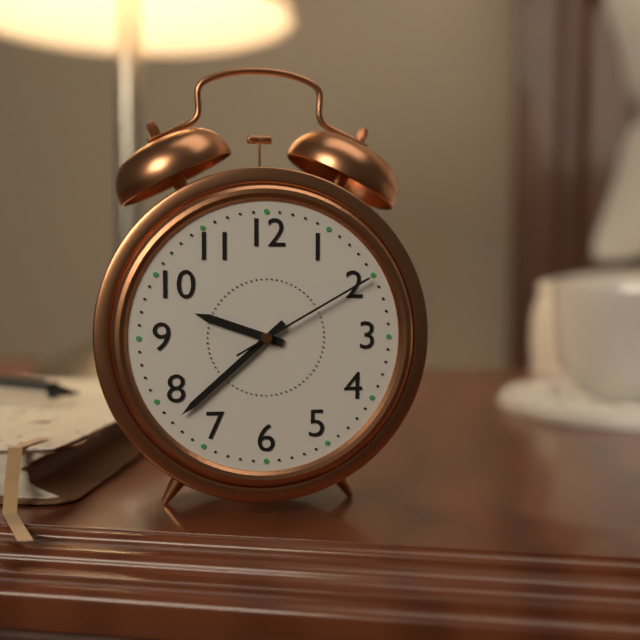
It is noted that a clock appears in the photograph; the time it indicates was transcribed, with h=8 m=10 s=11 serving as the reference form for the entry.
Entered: h=9 m=38 s=10
